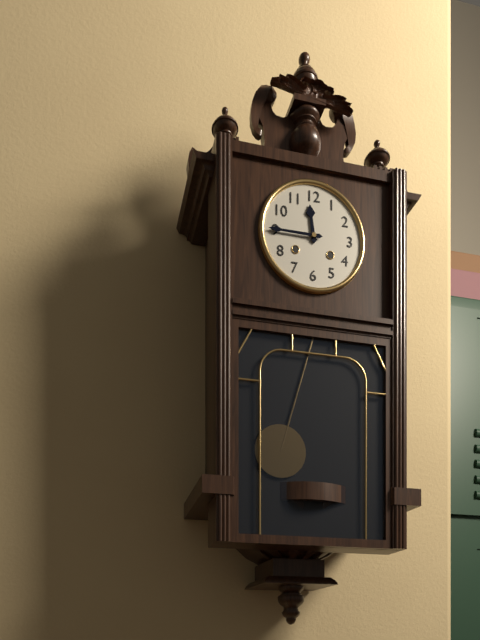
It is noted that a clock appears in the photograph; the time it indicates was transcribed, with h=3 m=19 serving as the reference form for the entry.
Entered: h=11 m=45
